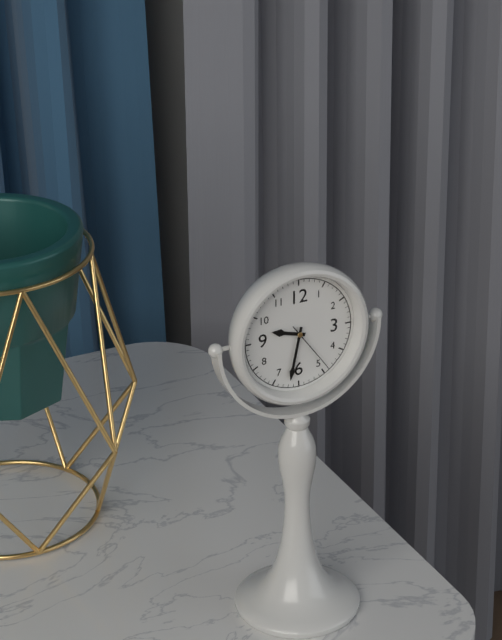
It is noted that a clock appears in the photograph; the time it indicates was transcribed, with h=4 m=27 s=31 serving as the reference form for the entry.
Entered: h=9 m=32 s=24
